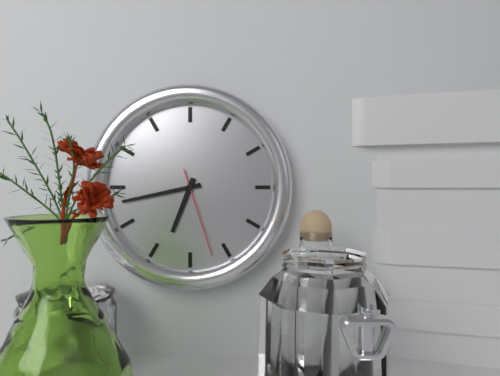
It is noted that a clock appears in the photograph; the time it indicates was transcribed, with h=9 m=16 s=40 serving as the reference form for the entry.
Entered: h=6 m=43 s=27
